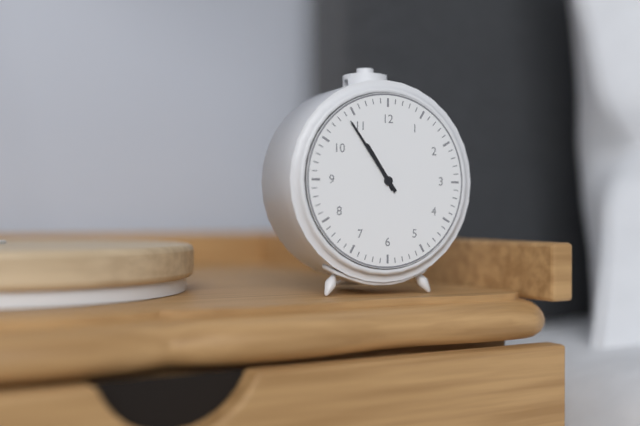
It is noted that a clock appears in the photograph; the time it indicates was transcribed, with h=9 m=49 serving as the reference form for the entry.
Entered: h=10 m=54
